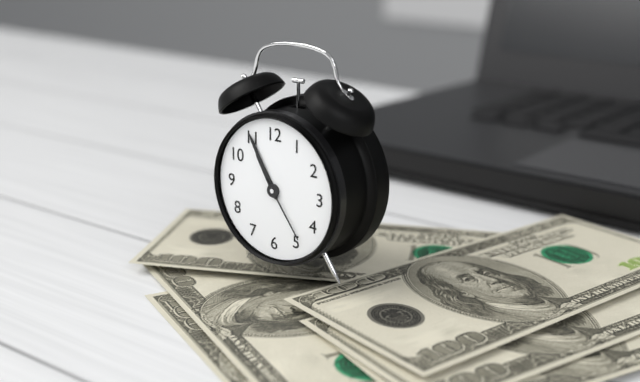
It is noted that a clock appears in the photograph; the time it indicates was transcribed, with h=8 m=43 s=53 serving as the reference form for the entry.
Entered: h=10 m=55 s=24
